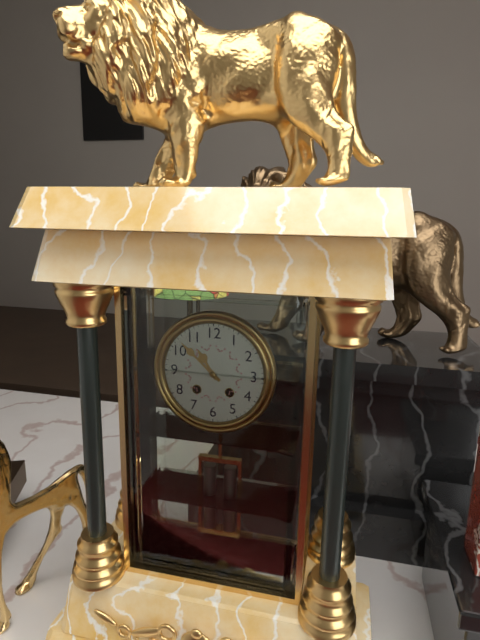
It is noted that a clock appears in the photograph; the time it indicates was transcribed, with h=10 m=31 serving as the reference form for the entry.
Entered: h=10 m=52
